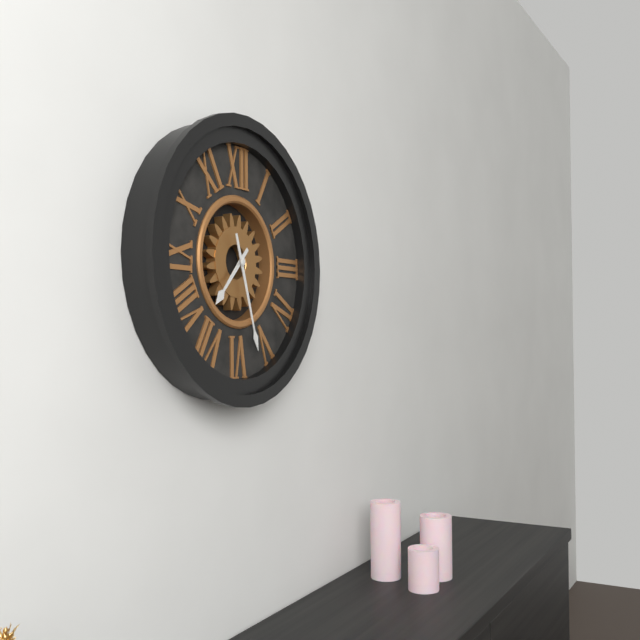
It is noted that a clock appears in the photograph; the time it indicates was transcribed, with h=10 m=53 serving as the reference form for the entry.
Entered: h=7 m=27
